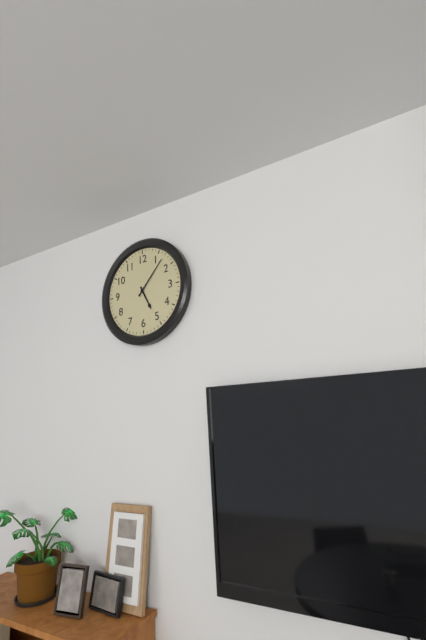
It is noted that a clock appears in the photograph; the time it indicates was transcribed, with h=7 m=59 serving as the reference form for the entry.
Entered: h=5 m=7
